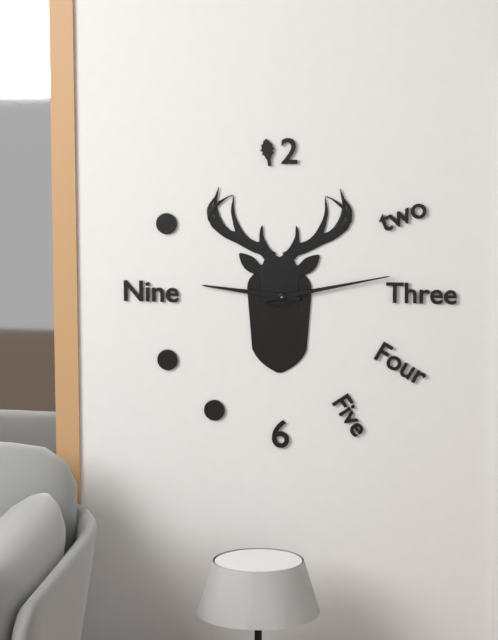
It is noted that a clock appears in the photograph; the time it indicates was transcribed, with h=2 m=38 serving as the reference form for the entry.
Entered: h=9 m=13
